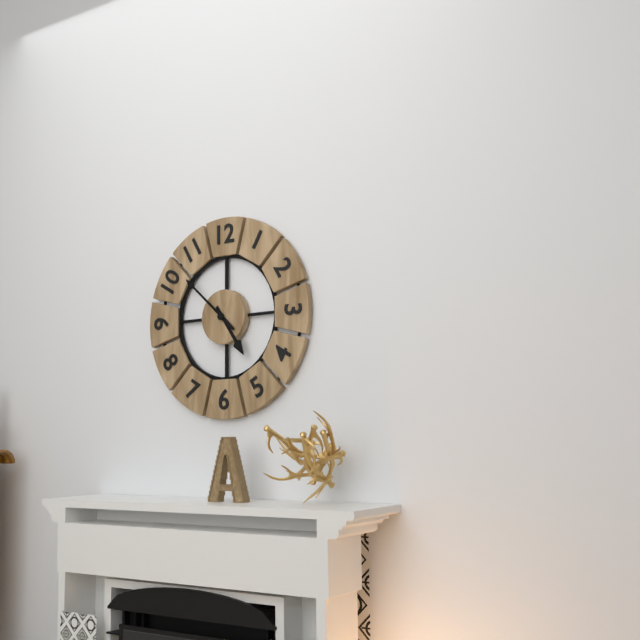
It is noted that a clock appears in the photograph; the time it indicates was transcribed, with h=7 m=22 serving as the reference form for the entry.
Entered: h=4 m=52
